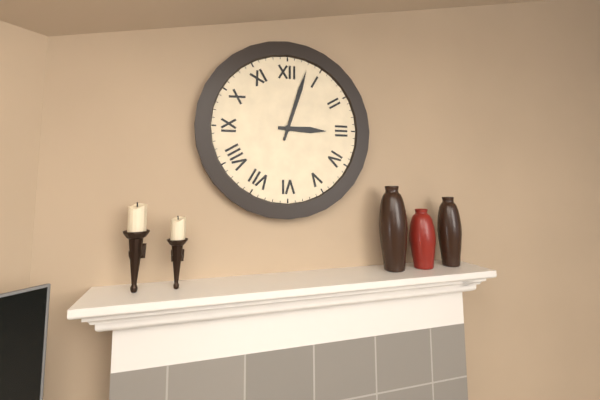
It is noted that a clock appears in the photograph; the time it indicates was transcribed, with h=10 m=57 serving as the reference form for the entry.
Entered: h=3 m=3
